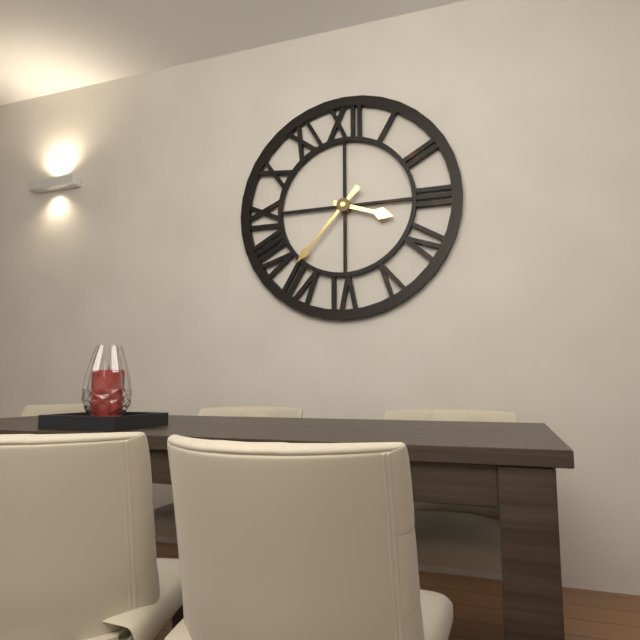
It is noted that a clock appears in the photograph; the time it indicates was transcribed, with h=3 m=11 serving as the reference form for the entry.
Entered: h=3 m=37
